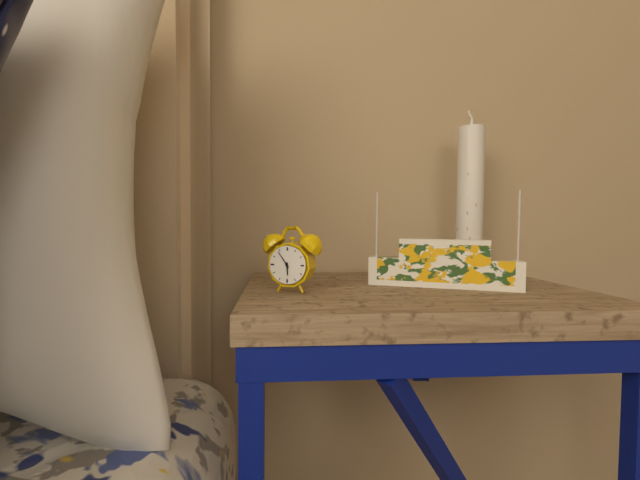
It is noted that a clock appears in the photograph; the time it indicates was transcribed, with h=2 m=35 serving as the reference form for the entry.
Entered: h=5 m=54
